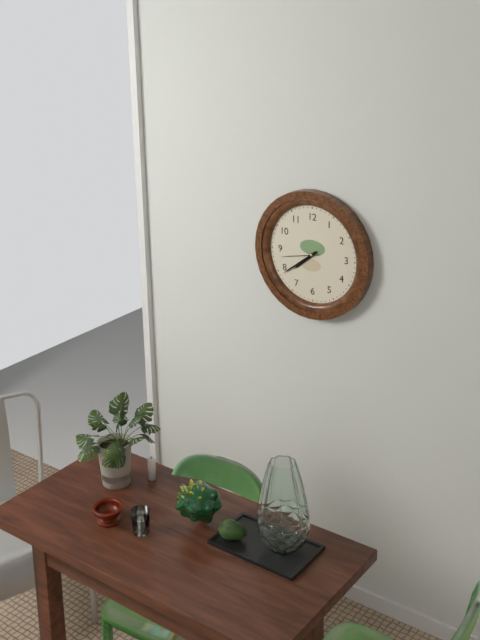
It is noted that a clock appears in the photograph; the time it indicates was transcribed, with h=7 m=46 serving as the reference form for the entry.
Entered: h=7 m=39
